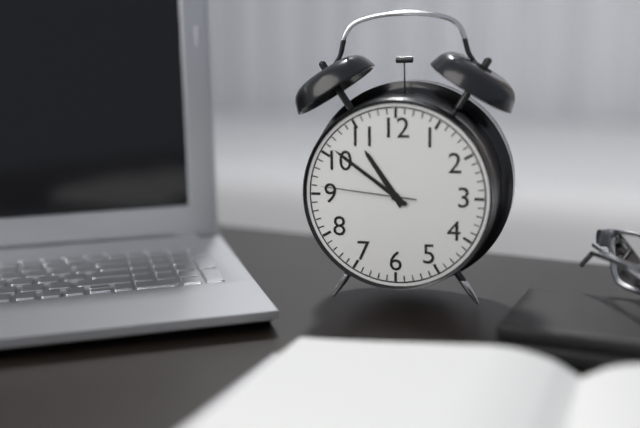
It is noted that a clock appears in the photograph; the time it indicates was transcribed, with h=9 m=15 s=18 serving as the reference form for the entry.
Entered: h=10 m=51 s=46
